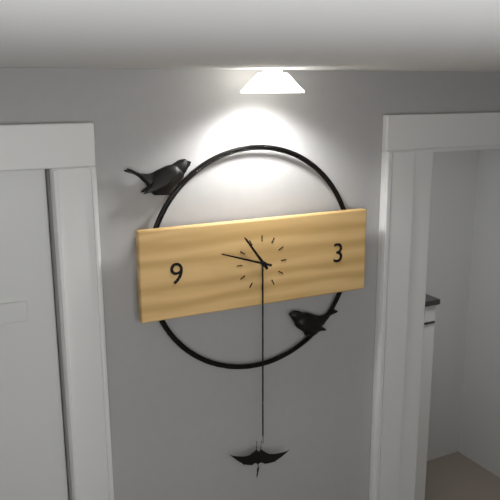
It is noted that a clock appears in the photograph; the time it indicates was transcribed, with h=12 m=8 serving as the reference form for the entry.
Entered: h=10 m=48
